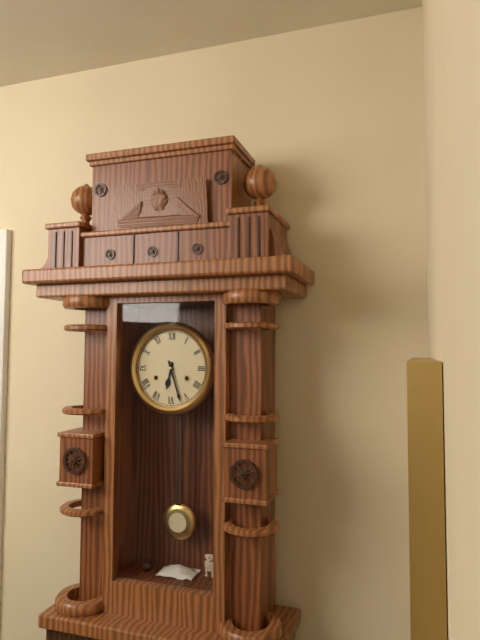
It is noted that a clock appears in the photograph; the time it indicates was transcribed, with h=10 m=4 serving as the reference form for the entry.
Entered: h=6 m=27
